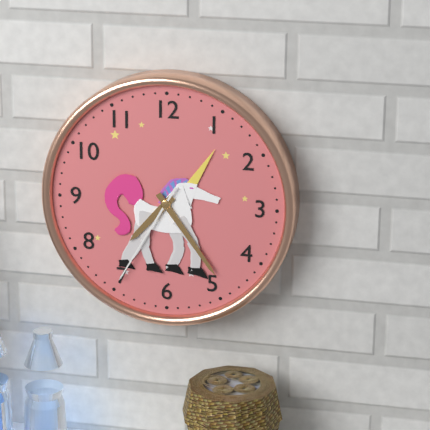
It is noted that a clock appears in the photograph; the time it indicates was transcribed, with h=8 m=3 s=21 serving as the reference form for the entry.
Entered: h=7 m=24 s=35
